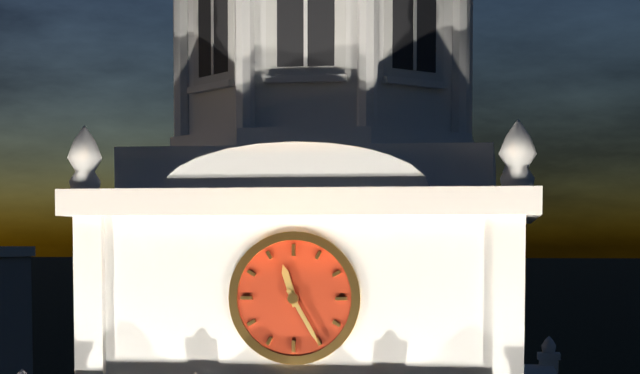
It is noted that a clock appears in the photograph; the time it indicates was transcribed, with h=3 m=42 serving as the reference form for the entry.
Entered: h=11 m=25
